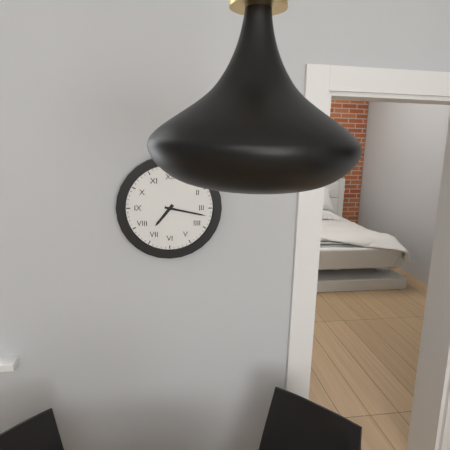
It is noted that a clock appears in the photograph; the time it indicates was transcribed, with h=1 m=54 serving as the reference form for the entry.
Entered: h=7 m=17
